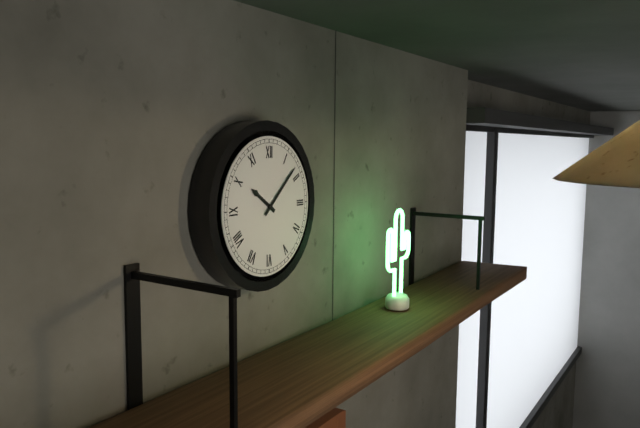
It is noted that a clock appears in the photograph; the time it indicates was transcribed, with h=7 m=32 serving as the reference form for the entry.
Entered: h=10 m=8
